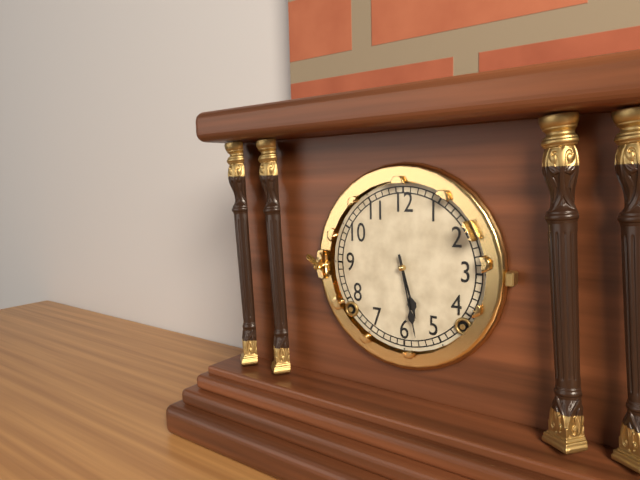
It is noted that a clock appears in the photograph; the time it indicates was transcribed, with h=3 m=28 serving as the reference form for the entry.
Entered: h=5 m=28
